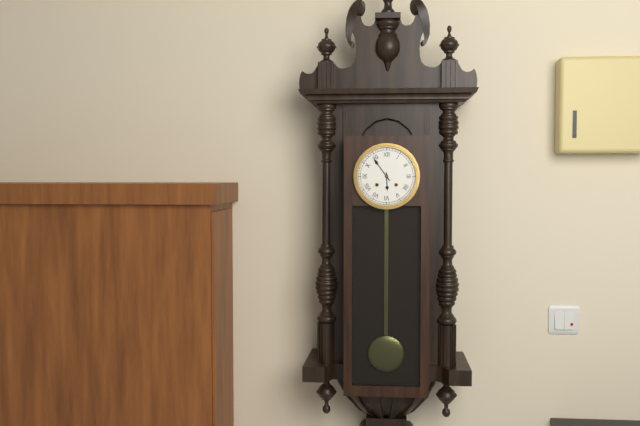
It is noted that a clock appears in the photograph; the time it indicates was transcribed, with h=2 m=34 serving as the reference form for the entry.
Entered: h=5 m=54
